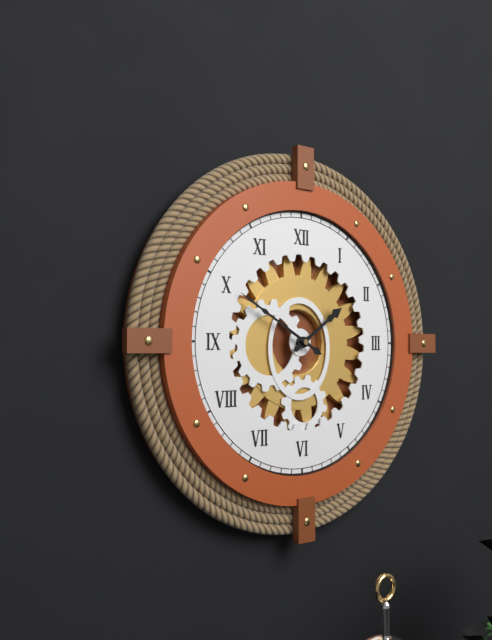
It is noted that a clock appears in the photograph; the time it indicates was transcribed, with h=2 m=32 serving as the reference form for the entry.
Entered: h=1 m=50
